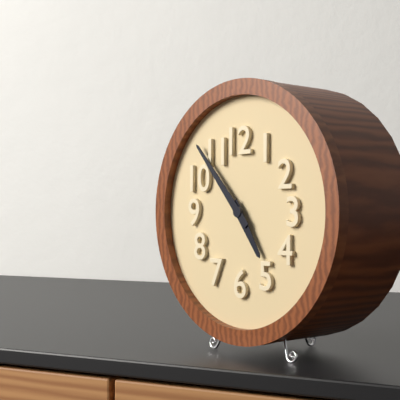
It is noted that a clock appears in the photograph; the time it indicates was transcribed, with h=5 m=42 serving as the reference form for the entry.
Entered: h=4 m=53
